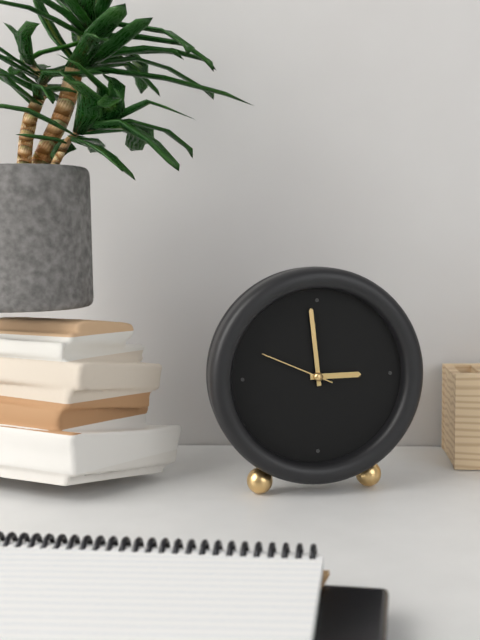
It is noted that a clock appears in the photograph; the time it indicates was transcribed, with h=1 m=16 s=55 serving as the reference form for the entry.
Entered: h=2 m=59 s=49
